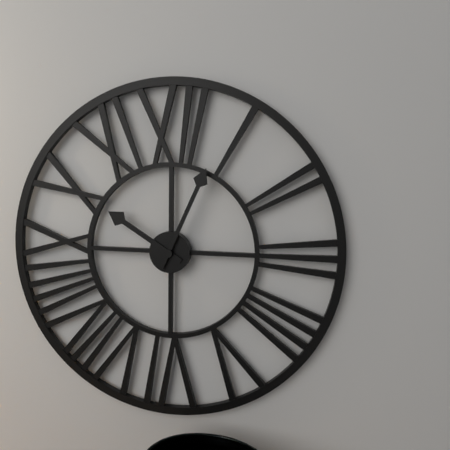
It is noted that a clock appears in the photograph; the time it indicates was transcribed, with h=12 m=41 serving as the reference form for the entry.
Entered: h=10 m=4
